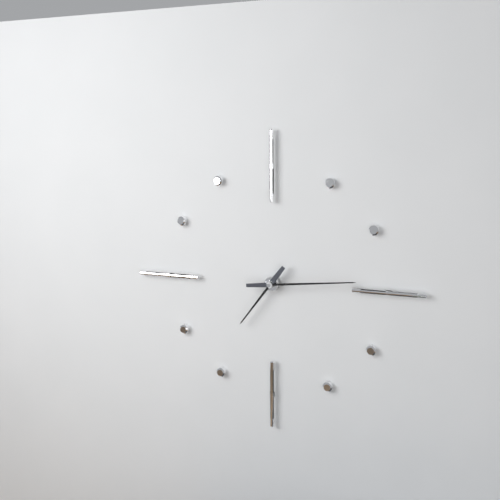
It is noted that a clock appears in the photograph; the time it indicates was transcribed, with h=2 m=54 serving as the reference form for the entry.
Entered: h=7 m=14
